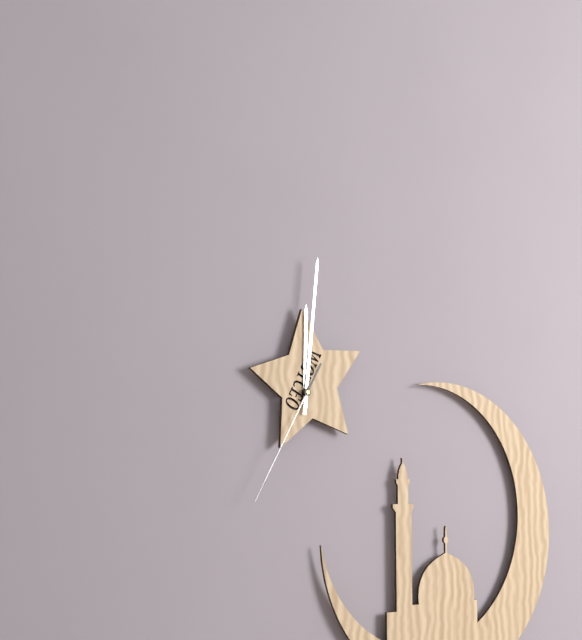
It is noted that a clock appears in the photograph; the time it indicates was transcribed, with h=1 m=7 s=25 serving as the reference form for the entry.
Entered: h=12 m=1 s=35
